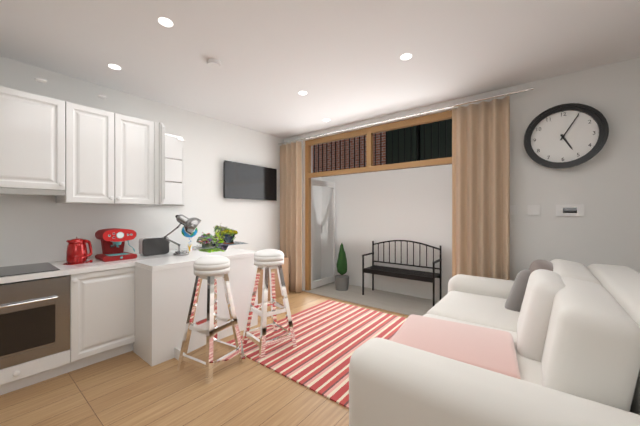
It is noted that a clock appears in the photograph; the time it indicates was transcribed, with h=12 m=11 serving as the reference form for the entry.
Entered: h=5 m=5
